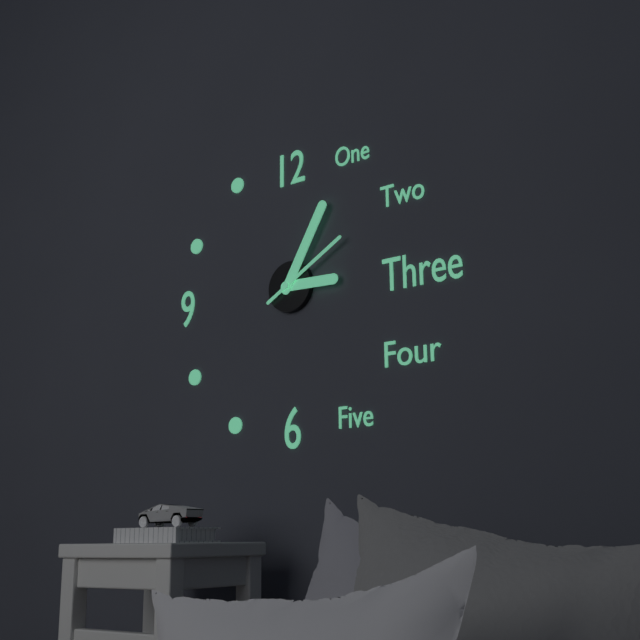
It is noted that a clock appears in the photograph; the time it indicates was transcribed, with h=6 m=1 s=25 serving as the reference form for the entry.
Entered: h=3 m=5 s=10
